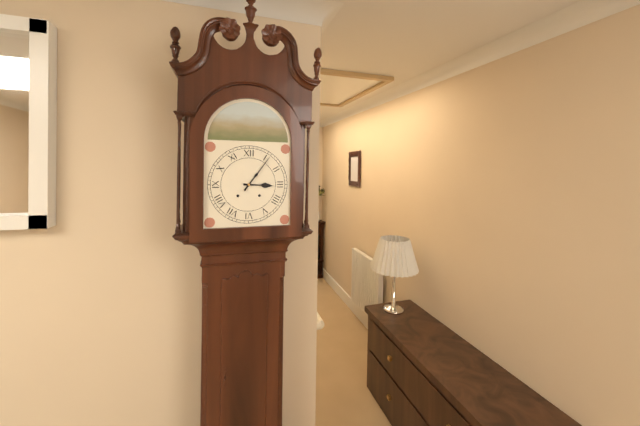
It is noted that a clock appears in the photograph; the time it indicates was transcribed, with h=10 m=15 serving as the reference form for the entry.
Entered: h=3 m=6
